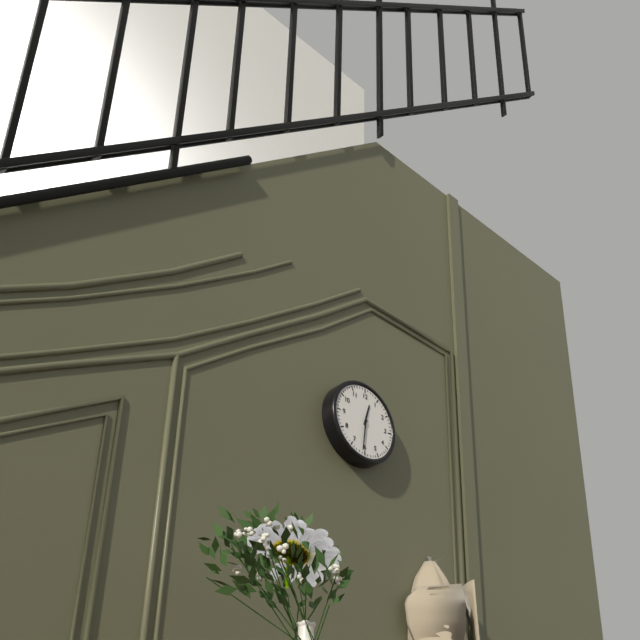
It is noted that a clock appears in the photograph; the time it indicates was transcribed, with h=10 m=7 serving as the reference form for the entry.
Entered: h=12 m=31
